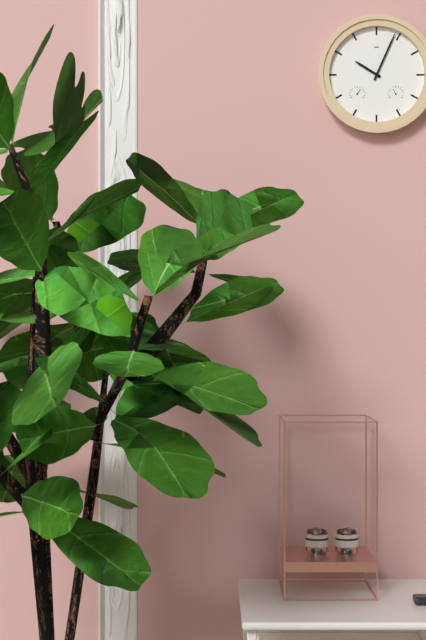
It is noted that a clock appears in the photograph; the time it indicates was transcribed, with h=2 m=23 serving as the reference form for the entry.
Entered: h=10 m=4
